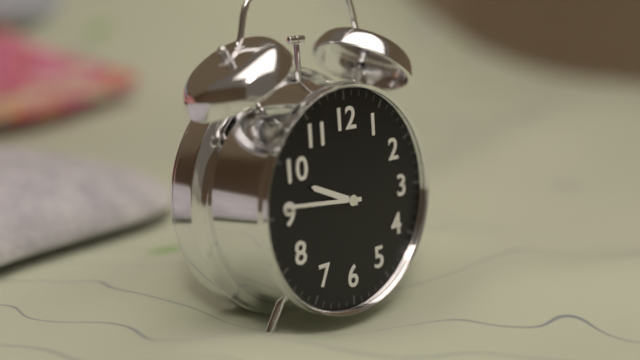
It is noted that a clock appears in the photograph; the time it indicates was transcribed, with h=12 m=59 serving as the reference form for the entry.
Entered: h=9 m=46
